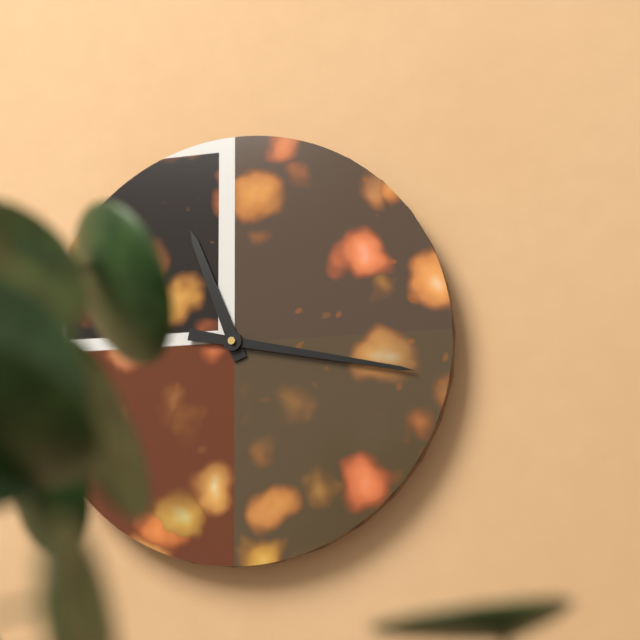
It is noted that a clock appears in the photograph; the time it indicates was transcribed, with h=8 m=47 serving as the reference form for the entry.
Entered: h=11 m=17
